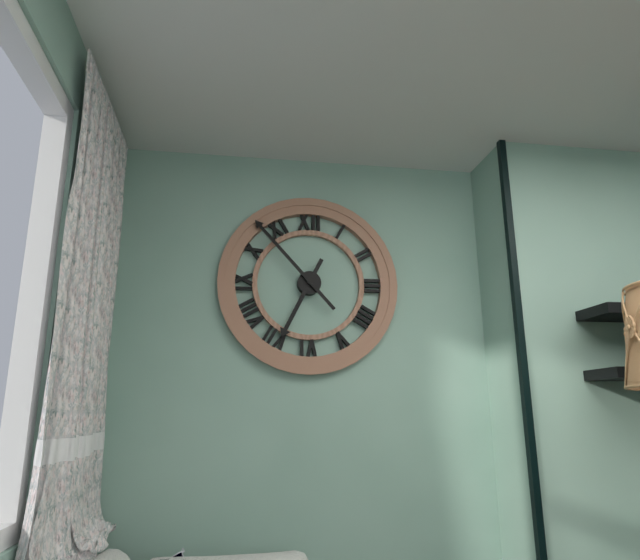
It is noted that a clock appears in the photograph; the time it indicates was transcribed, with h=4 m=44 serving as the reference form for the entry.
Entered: h=6 m=53
